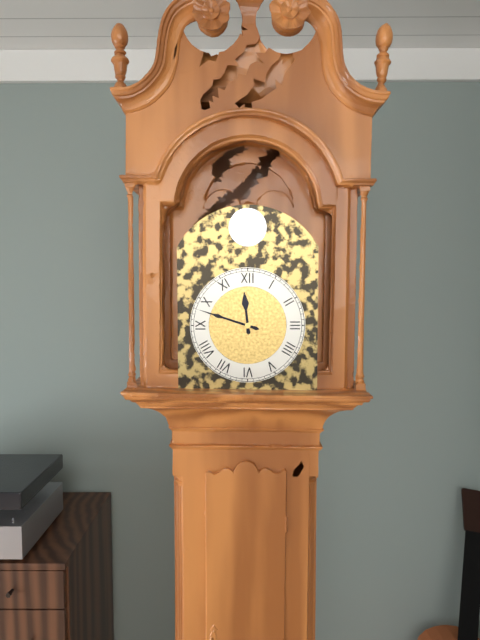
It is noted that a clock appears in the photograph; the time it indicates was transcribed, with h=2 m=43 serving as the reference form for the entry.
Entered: h=11 m=48
